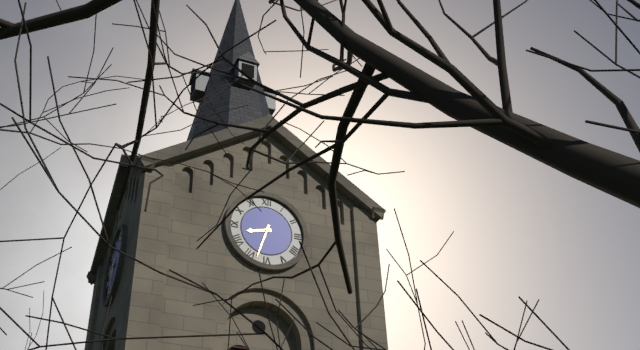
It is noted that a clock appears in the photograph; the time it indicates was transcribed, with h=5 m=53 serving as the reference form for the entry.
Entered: h=8 m=33
